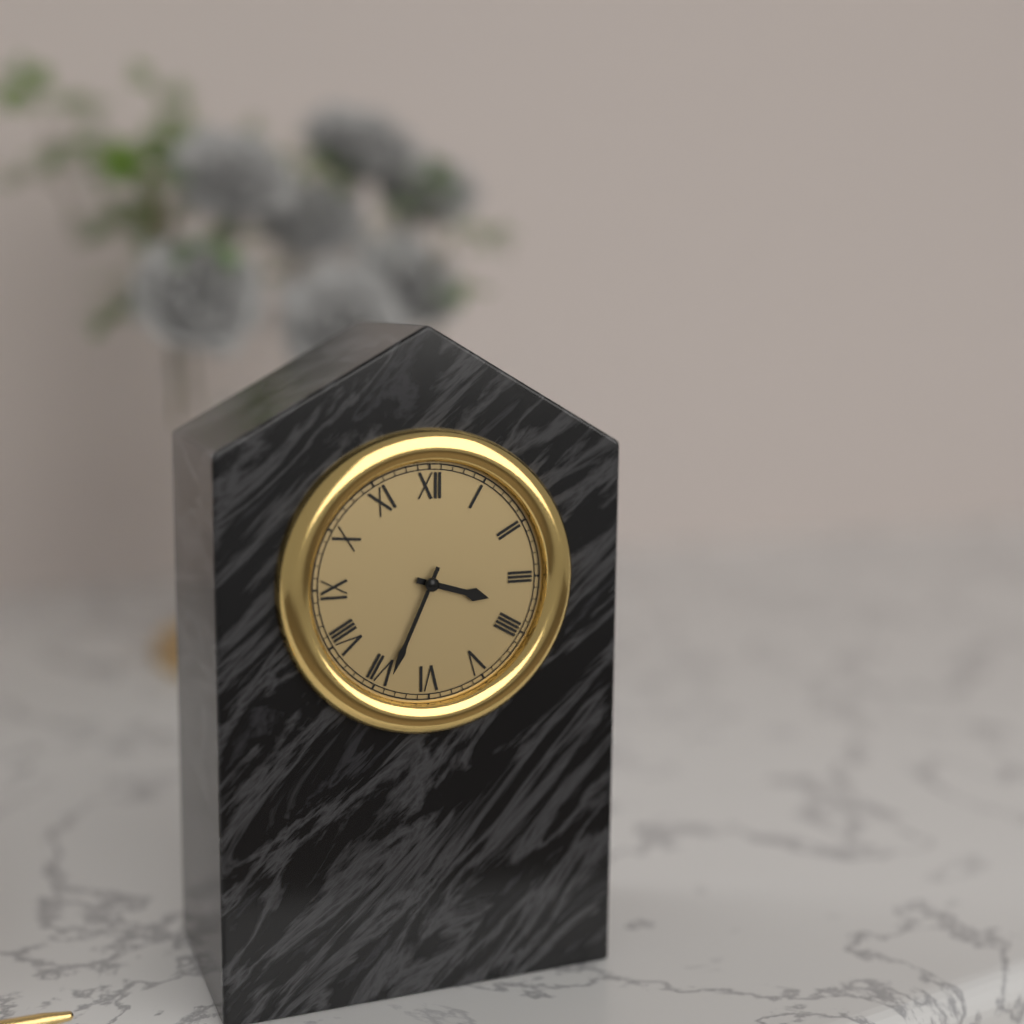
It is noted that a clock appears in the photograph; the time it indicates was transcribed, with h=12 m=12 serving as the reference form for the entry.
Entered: h=3 m=34
